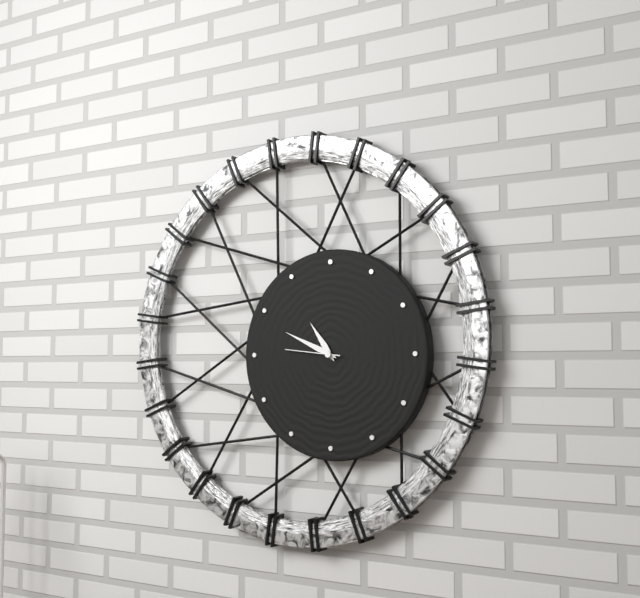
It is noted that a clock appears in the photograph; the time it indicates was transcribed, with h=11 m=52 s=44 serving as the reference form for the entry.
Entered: h=10 m=49 s=46
